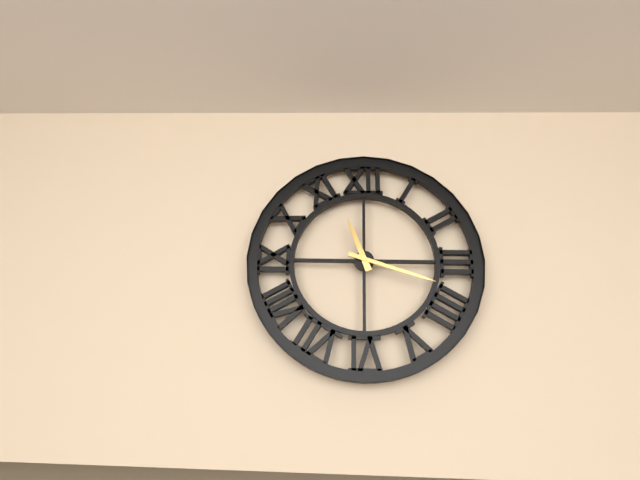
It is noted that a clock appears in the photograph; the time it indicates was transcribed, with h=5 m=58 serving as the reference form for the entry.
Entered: h=11 m=18
